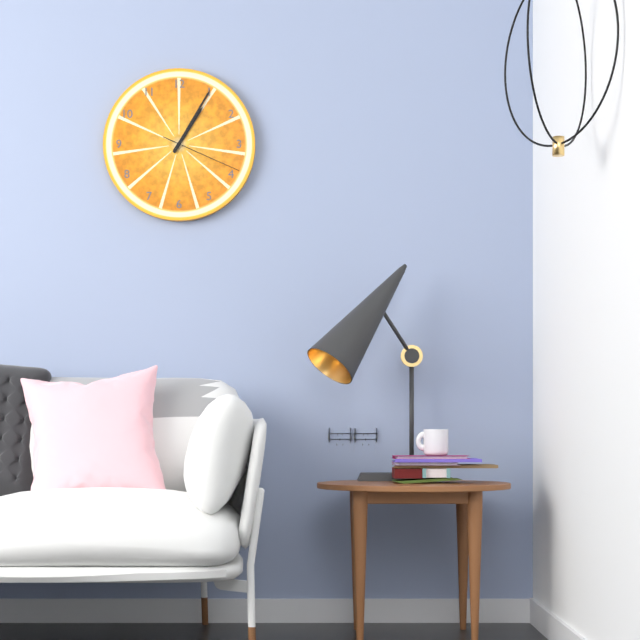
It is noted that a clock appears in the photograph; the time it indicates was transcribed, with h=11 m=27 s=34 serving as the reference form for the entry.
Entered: h=1 m=5 s=19
